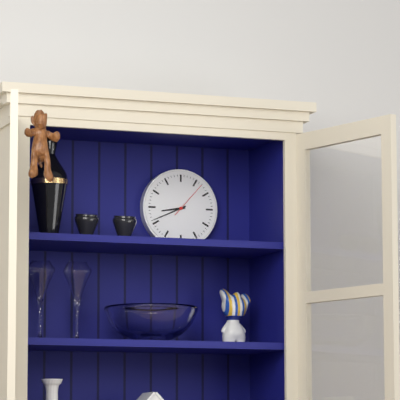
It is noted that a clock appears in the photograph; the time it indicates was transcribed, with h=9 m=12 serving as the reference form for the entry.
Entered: h=8 m=41
